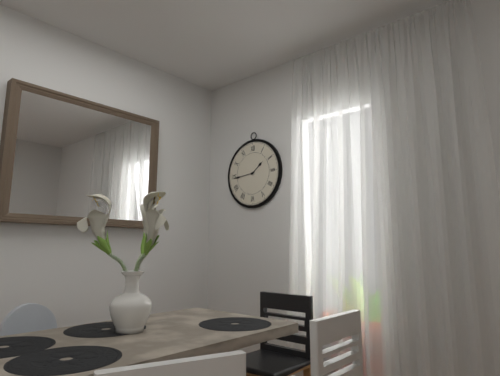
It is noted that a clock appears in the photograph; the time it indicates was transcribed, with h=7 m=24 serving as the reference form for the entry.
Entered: h=1 m=44
